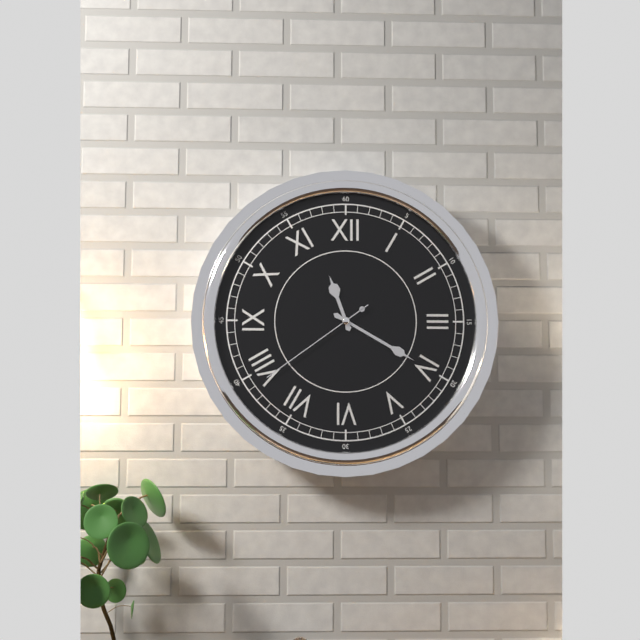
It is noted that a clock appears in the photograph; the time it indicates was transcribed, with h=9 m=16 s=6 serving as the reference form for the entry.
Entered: h=11 m=20 s=39
